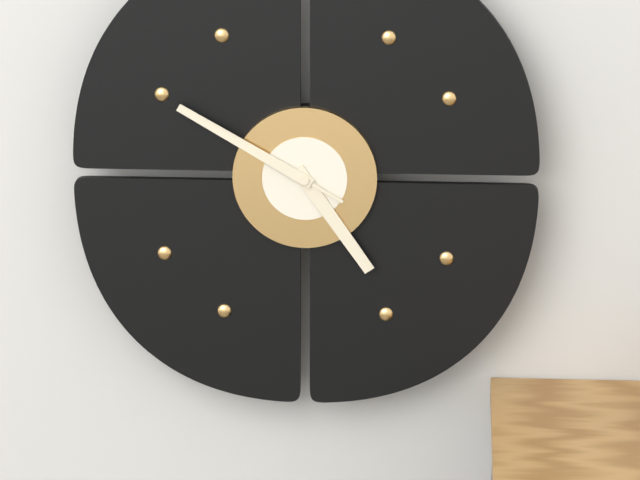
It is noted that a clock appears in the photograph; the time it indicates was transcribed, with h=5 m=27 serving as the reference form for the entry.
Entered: h=4 m=50
